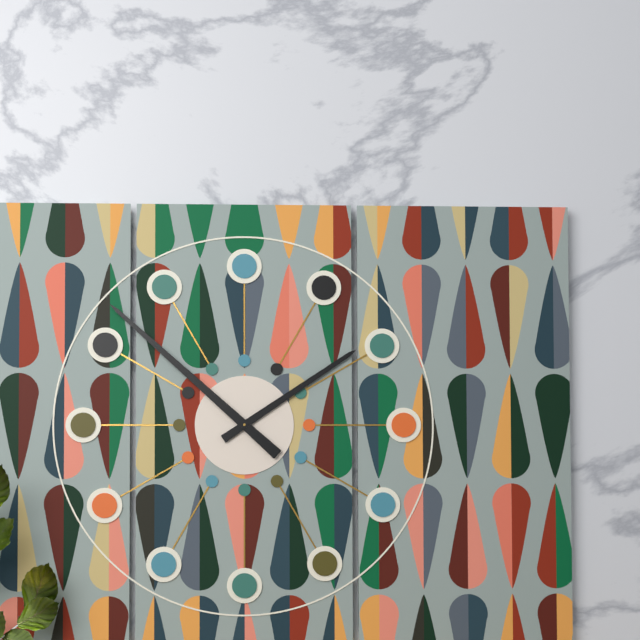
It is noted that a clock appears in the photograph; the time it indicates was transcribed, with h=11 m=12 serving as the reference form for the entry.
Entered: h=1 m=52
